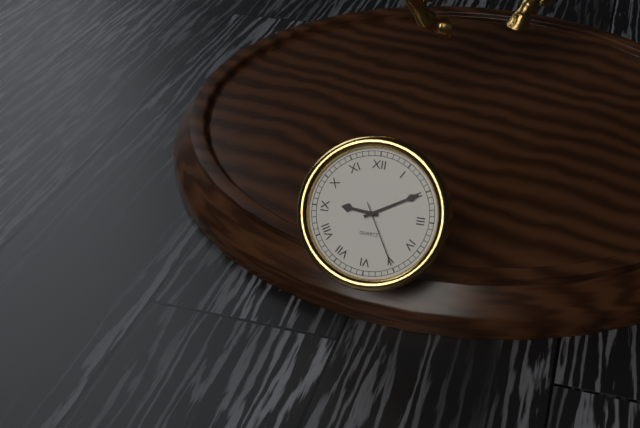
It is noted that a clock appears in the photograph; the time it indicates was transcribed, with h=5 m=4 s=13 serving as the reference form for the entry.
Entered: h=9 m=10 s=25
